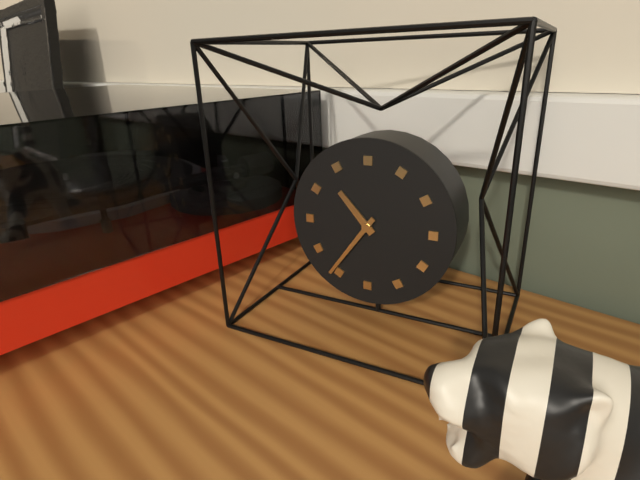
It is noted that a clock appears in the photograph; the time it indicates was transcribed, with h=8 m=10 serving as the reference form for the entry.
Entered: h=10 m=36
